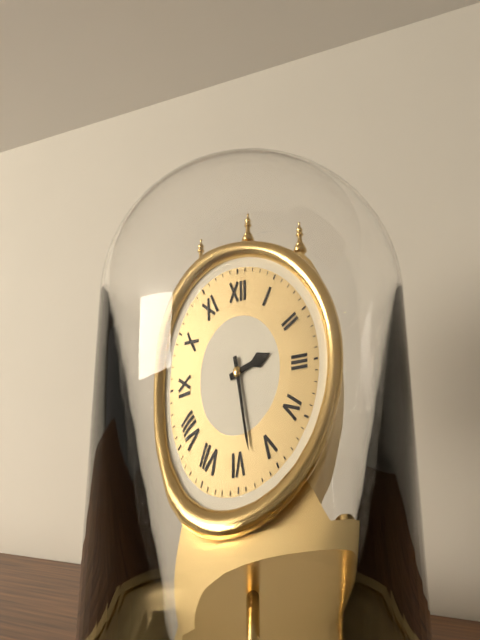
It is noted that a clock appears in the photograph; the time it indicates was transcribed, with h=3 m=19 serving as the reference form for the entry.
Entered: h=2 m=28
